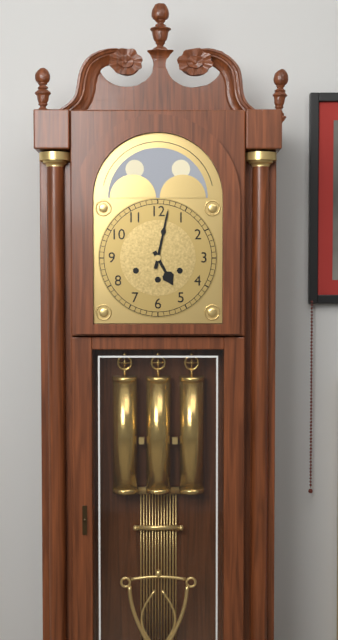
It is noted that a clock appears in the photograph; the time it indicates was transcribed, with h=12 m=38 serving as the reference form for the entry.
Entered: h=5 m=2
